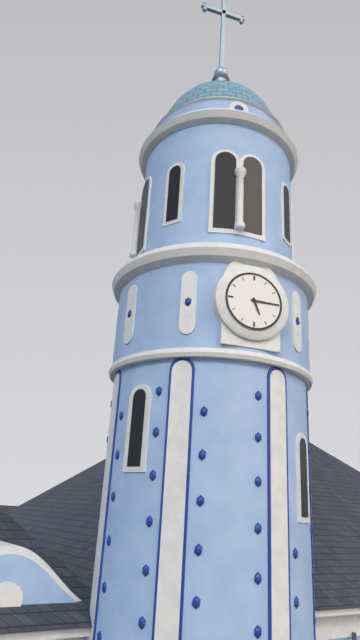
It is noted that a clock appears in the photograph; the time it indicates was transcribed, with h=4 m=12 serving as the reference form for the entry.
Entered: h=5 m=15
